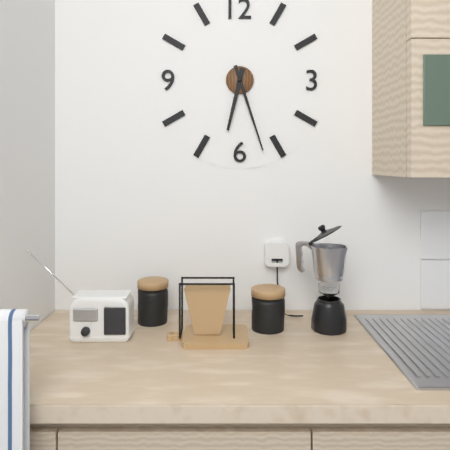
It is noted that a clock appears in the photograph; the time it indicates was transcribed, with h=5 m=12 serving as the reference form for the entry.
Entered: h=6 m=27
